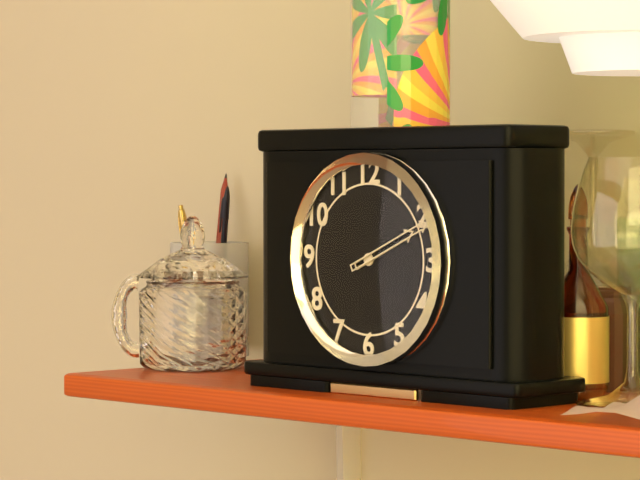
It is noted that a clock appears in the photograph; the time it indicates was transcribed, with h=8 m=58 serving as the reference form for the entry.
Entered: h=2 m=11
